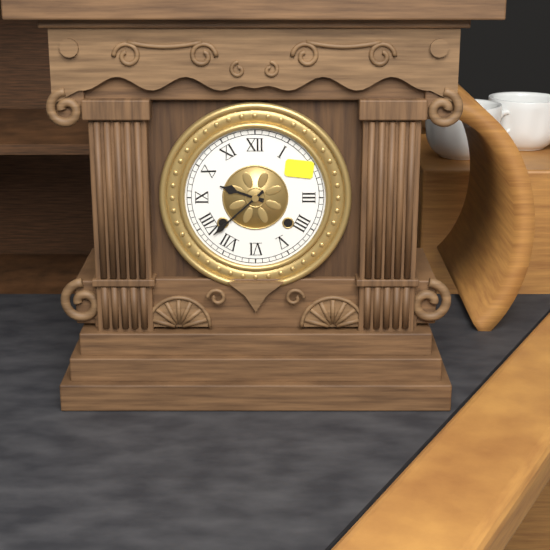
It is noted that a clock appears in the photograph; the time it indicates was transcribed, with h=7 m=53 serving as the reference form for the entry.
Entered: h=9 m=38
